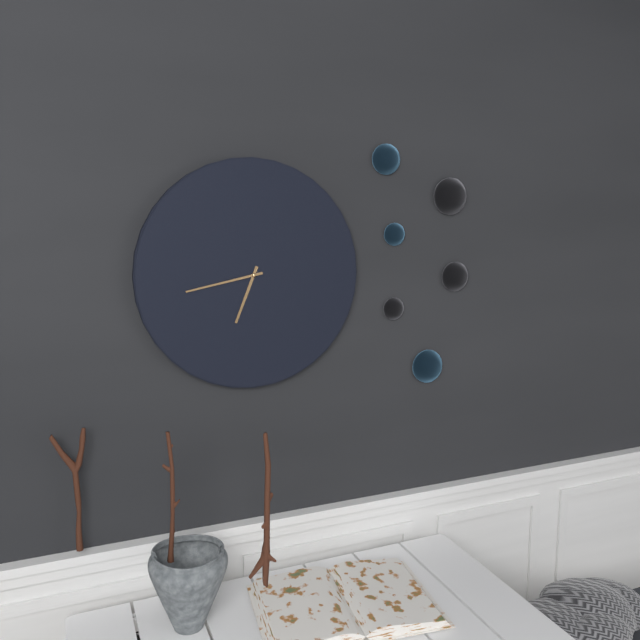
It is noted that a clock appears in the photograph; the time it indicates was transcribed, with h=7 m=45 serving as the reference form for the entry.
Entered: h=6 m=43
